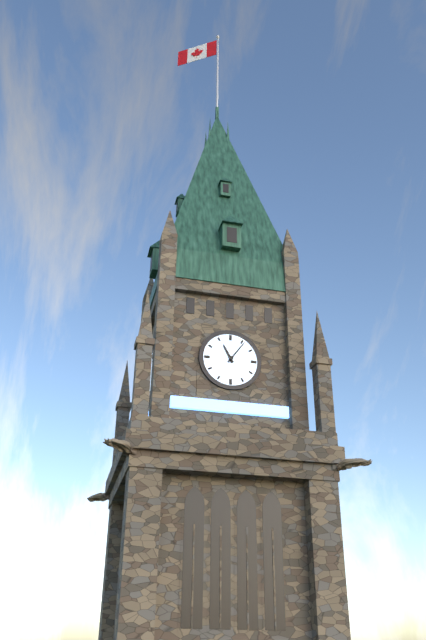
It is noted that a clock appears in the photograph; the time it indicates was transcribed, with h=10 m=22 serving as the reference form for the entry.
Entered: h=11 m=6
